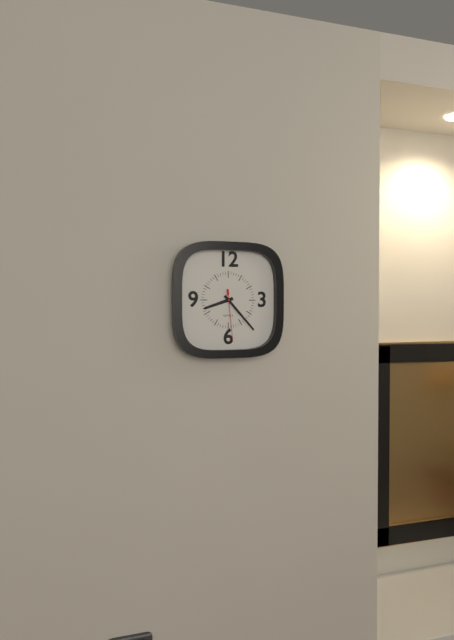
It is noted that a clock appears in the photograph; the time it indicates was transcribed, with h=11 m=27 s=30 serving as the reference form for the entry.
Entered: h=8 m=23 s=29
